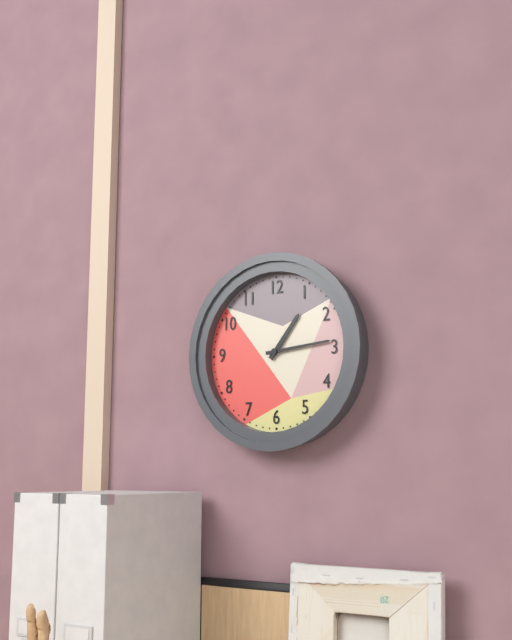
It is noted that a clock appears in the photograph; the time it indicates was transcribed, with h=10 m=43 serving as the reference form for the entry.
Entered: h=1 m=14
